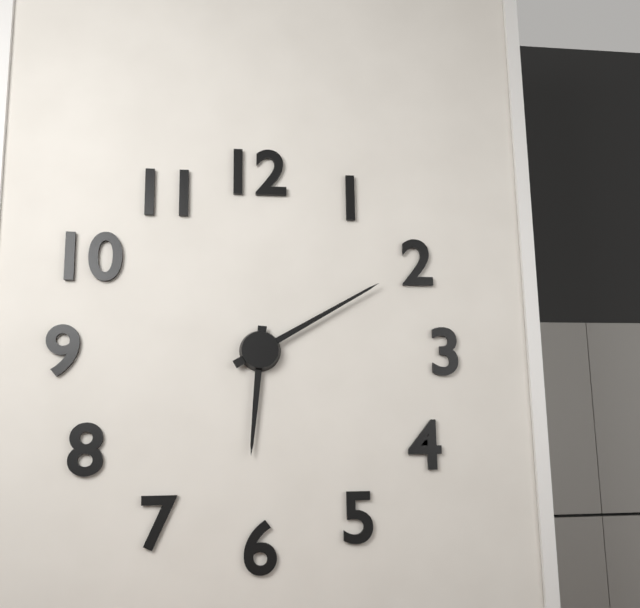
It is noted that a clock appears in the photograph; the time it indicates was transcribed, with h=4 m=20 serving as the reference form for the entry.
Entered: h=6 m=10
